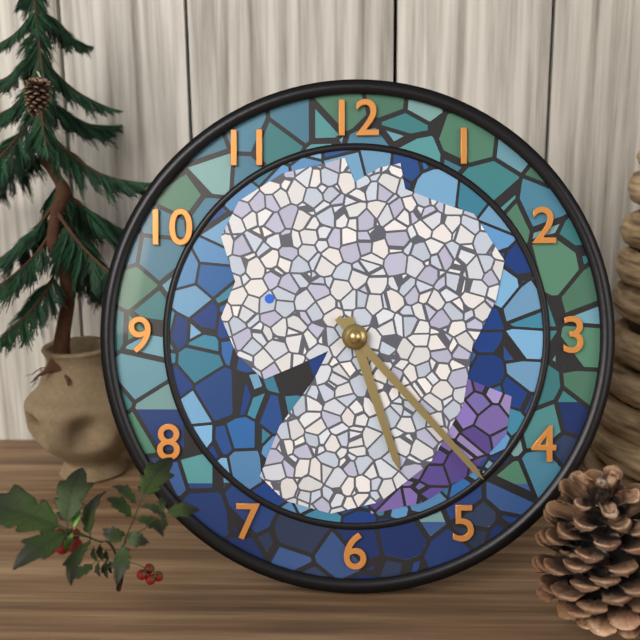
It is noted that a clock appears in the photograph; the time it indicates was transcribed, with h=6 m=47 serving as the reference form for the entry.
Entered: h=5 m=23
